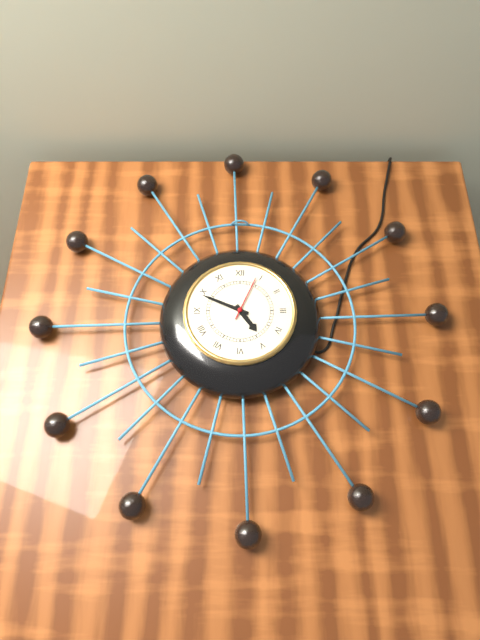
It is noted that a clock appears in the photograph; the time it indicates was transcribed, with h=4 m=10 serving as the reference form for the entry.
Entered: h=4 m=49
